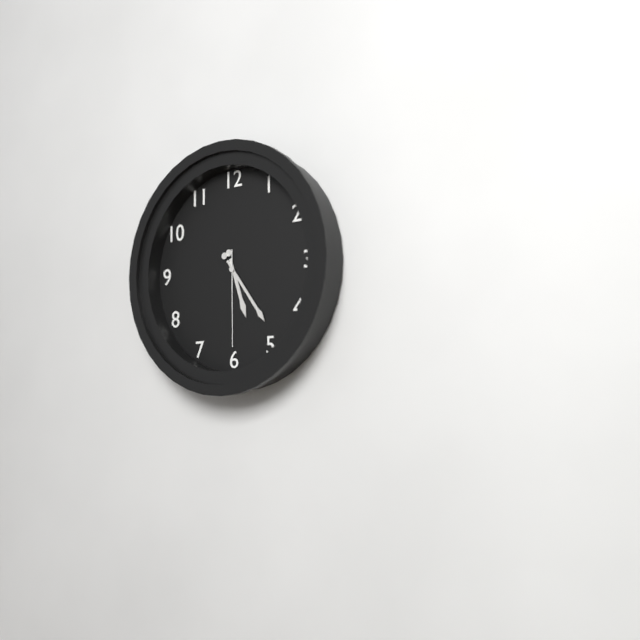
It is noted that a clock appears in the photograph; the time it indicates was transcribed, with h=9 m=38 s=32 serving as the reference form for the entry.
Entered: h=5 m=24 s=30
